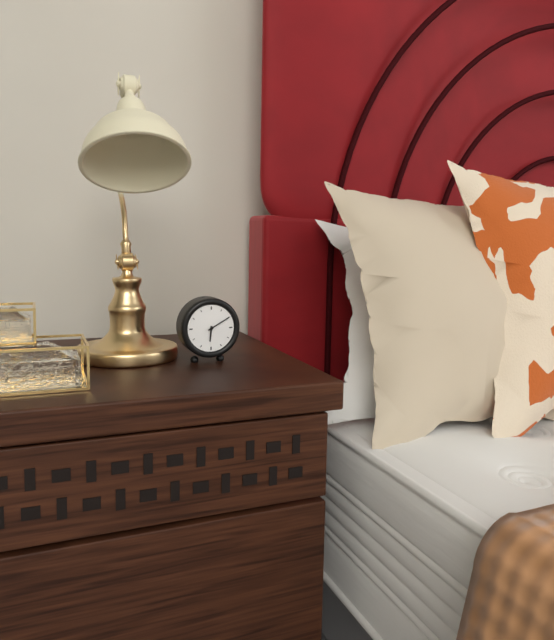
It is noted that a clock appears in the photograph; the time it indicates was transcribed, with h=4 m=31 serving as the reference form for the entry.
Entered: h=6 m=10
